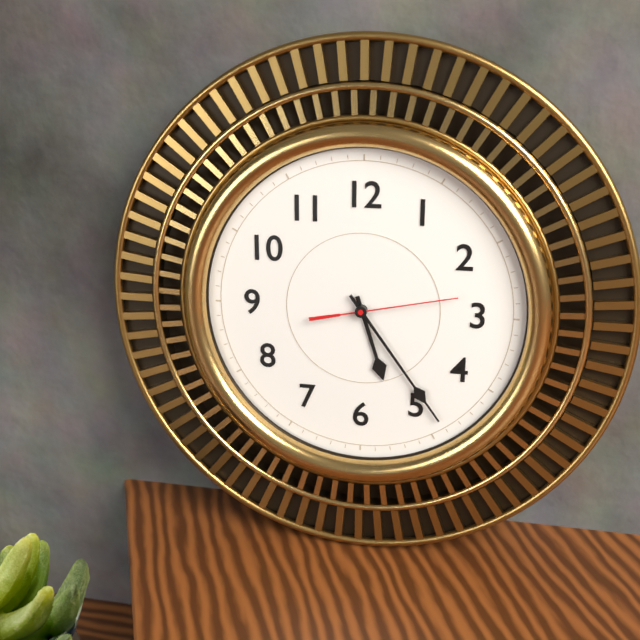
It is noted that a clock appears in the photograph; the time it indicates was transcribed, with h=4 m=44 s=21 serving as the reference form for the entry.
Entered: h=5 m=24 s=13
